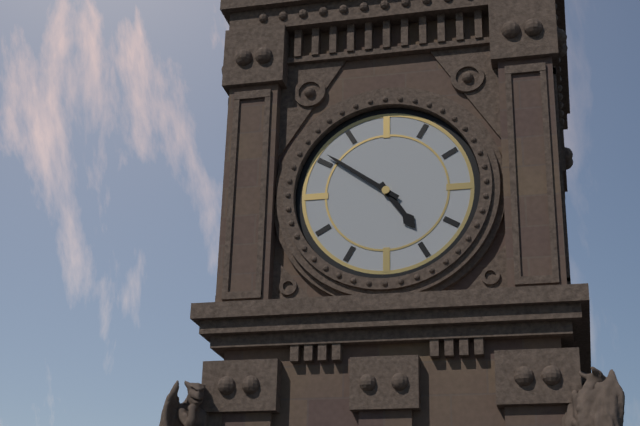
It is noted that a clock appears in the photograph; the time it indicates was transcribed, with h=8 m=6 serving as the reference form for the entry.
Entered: h=4 m=51
